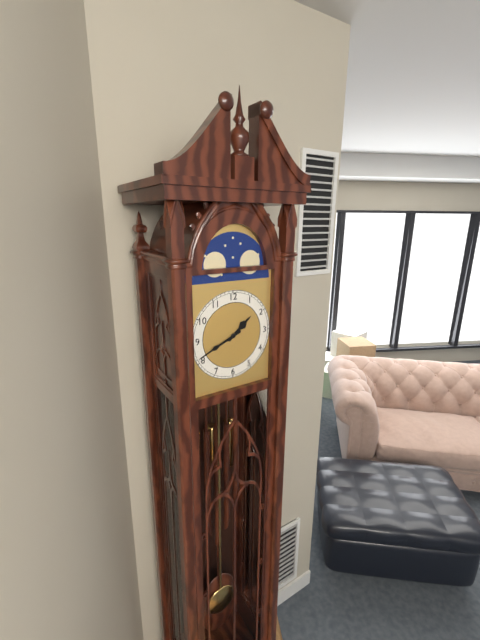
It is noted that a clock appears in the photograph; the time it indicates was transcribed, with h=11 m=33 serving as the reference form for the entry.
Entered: h=1 m=41
